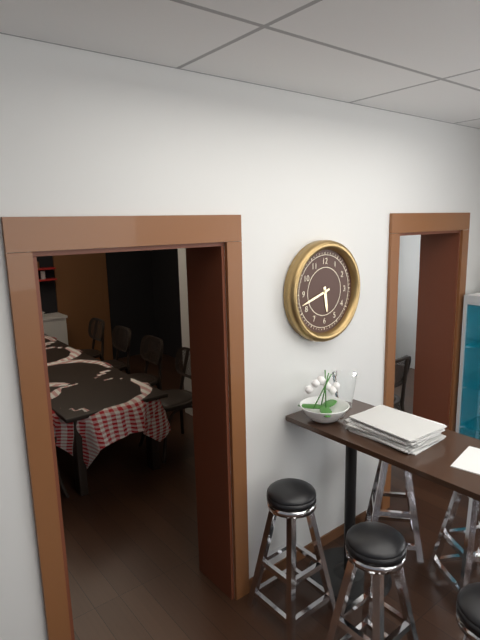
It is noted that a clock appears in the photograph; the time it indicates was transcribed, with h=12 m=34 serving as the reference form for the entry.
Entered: h=5 m=42
